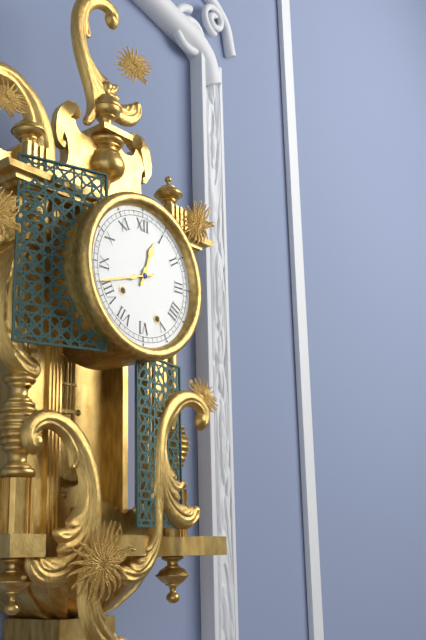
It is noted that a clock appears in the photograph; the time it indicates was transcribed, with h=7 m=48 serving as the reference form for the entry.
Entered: h=12 m=42
